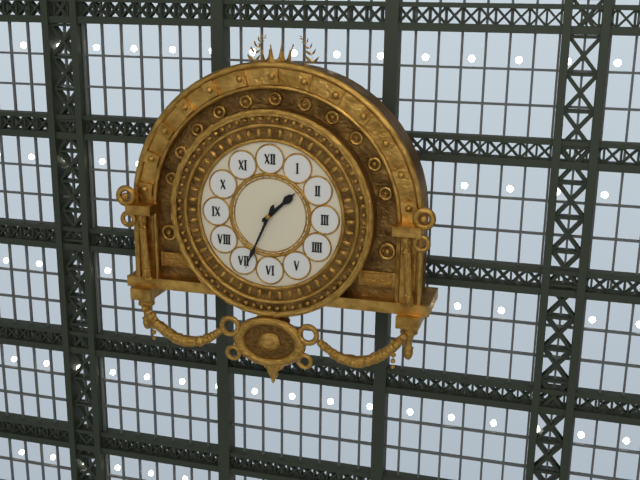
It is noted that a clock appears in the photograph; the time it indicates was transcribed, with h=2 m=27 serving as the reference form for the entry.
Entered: h=1 m=34
